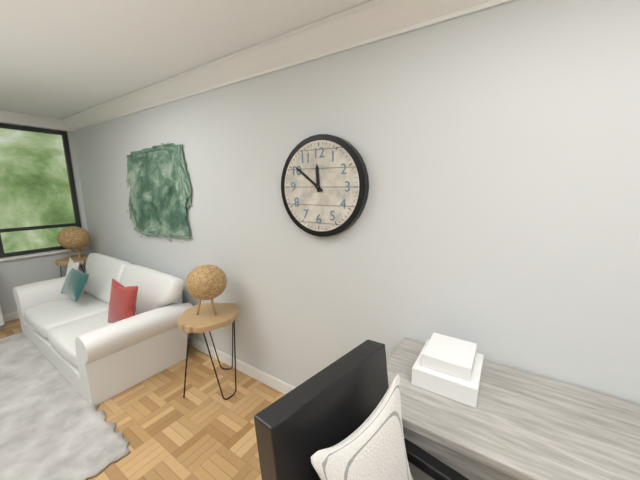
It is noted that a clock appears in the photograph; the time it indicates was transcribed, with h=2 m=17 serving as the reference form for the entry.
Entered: h=11 m=51
